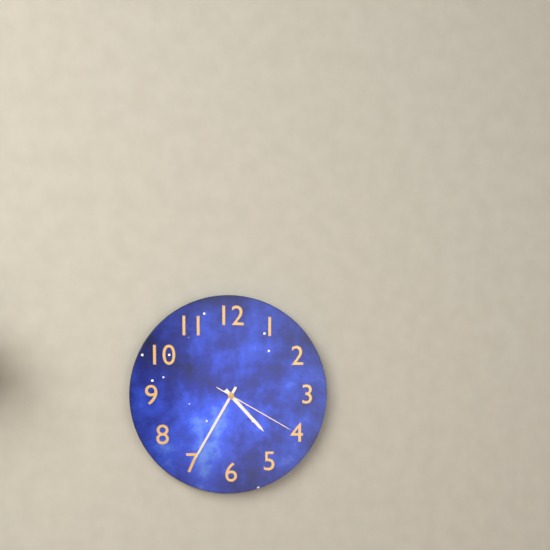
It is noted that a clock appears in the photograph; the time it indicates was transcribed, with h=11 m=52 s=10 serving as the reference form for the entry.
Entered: h=4 m=35 s=20
